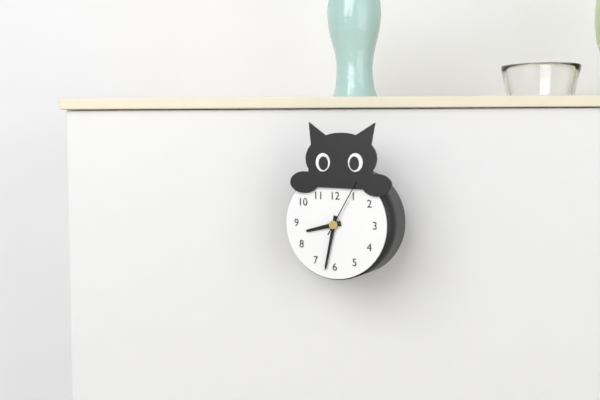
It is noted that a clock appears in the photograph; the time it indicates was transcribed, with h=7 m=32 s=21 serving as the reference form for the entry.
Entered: h=8 m=32 s=5
